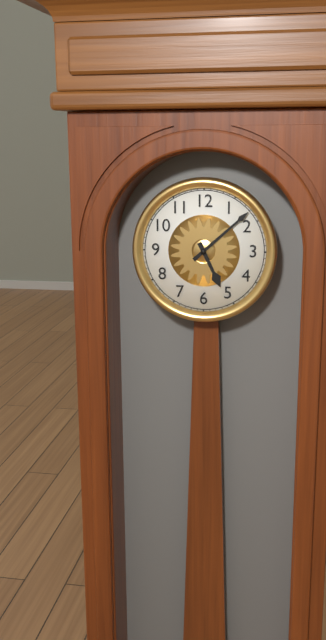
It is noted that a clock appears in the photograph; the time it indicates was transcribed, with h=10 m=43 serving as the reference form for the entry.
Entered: h=5 m=8
